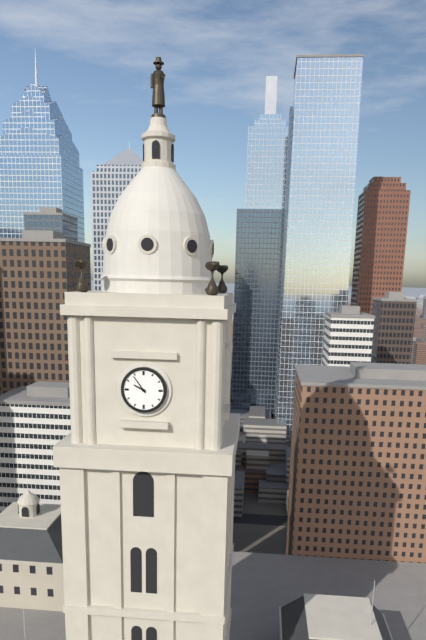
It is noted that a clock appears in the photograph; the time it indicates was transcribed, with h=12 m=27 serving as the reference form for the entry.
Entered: h=9 m=54
